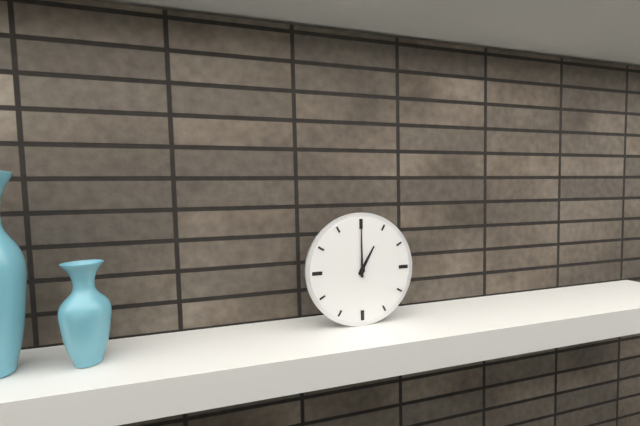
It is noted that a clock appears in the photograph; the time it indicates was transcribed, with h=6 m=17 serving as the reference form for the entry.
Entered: h=1 m=0
